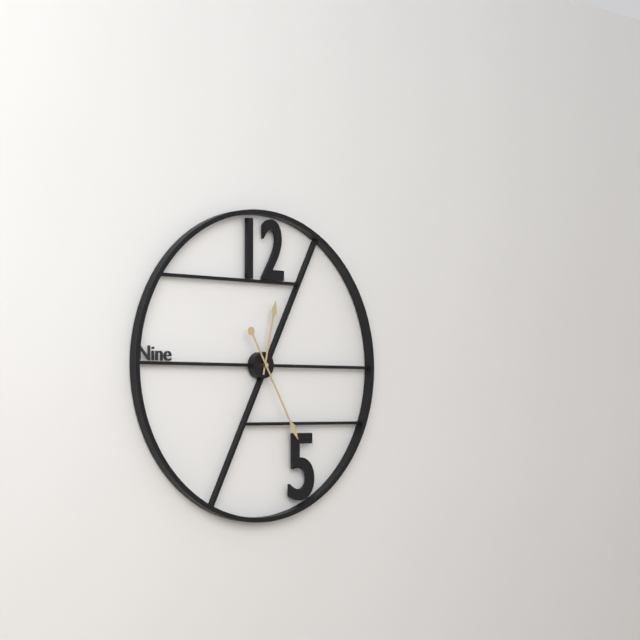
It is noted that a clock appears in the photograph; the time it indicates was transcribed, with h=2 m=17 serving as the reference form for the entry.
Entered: h=12 m=25
